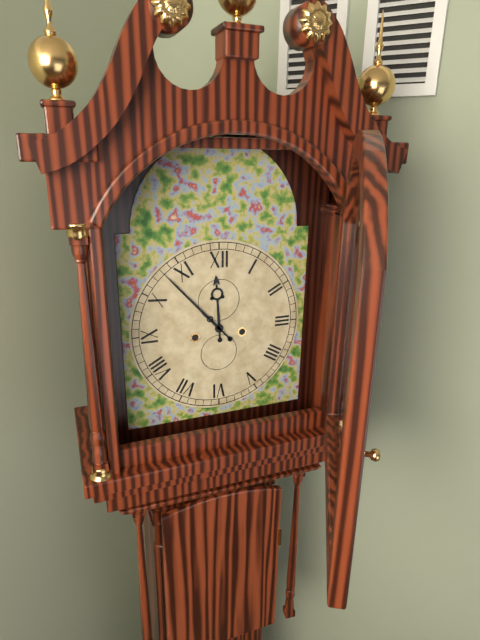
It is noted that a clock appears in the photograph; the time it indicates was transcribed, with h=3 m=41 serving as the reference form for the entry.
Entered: h=11 m=53
